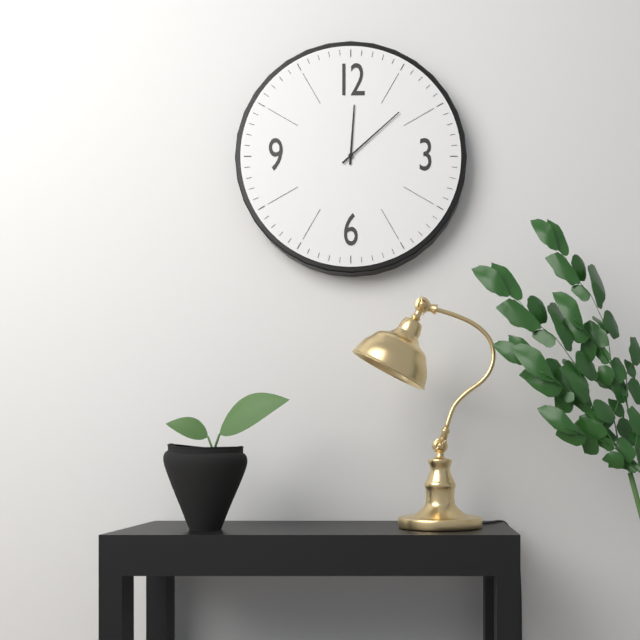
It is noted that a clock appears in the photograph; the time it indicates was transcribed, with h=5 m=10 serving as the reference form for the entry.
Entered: h=12 m=8
